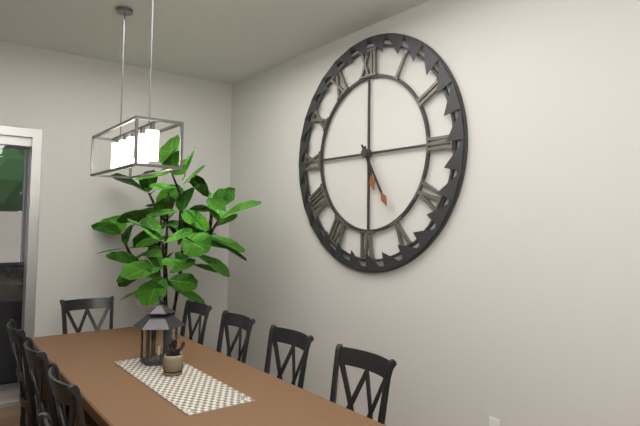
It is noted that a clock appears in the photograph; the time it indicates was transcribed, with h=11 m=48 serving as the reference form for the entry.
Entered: h=5 m=25
